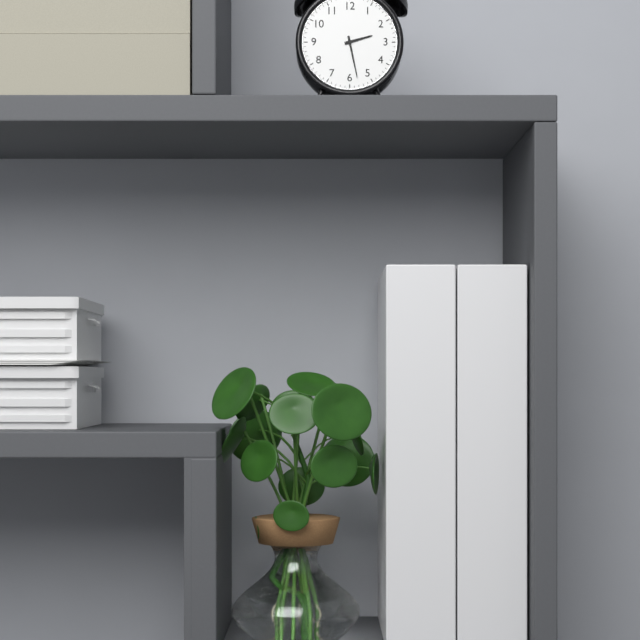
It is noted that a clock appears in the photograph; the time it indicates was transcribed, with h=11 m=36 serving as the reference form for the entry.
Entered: h=2 m=28
